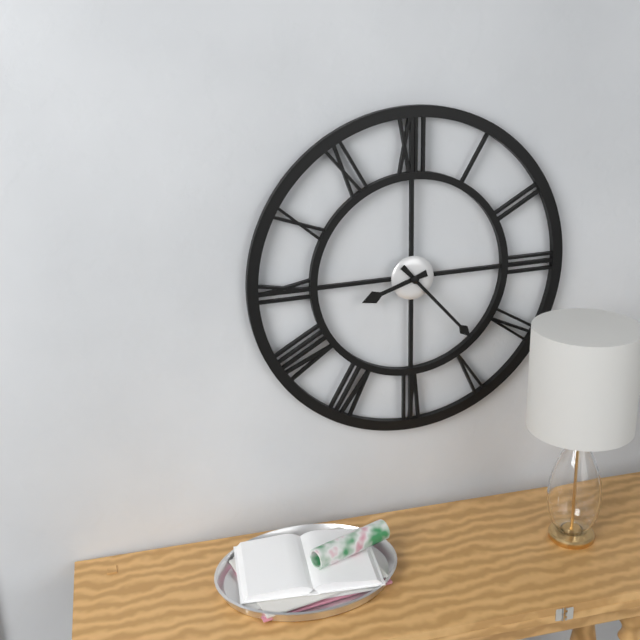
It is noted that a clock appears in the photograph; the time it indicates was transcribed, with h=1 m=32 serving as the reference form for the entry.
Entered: h=8 m=23
